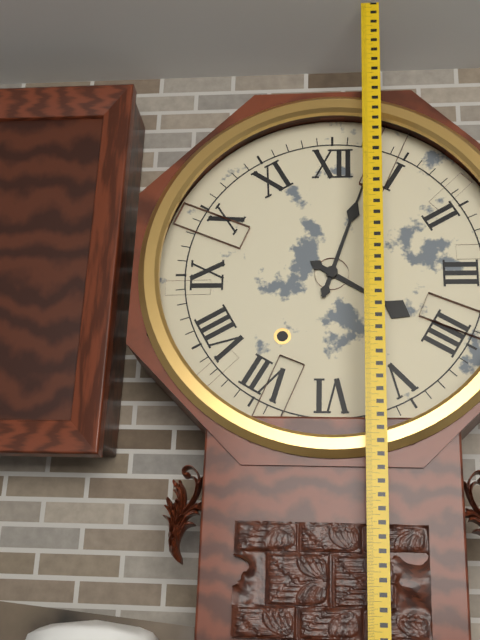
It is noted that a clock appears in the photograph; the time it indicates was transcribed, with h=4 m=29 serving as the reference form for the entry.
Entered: h=4 m=3
